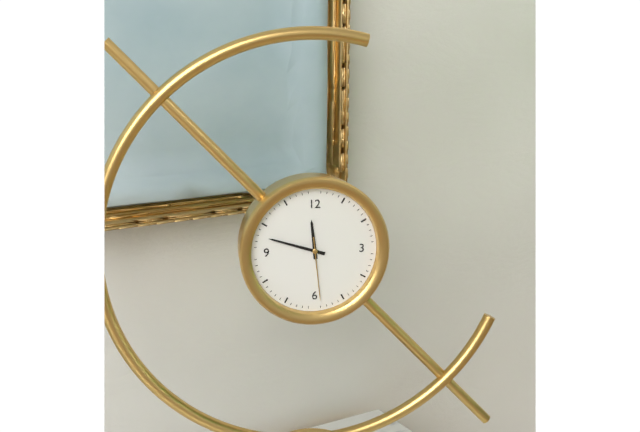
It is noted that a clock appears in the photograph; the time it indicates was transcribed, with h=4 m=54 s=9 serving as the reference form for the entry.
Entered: h=11 m=48 s=29
